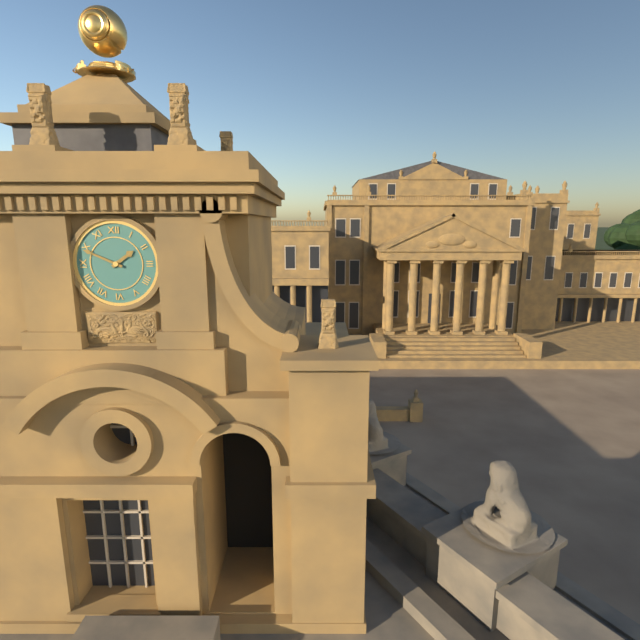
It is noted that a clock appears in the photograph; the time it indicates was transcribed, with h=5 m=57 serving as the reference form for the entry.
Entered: h=1 m=49
